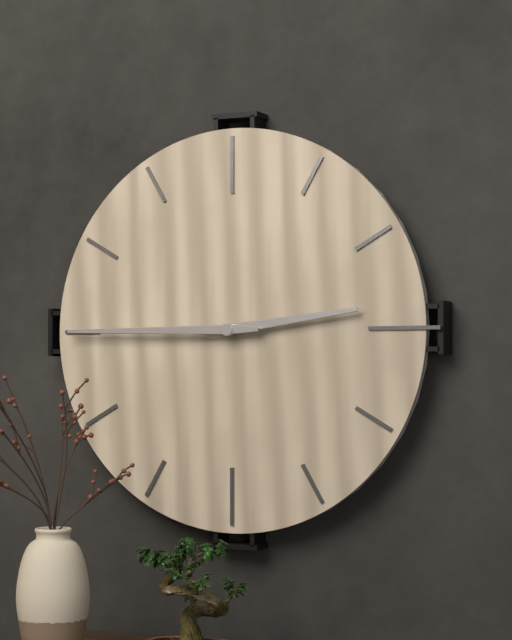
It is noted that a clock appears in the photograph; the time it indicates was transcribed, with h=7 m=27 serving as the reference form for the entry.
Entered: h=2 m=45
